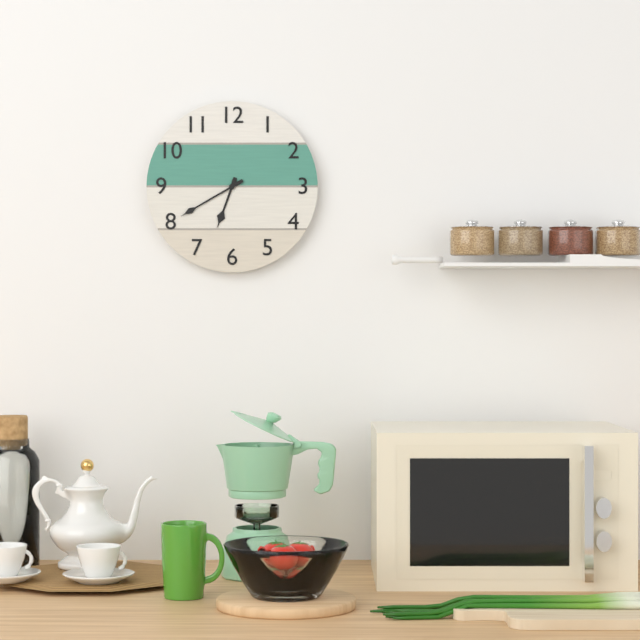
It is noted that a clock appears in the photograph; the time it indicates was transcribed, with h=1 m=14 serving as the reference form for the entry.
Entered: h=6 m=40
